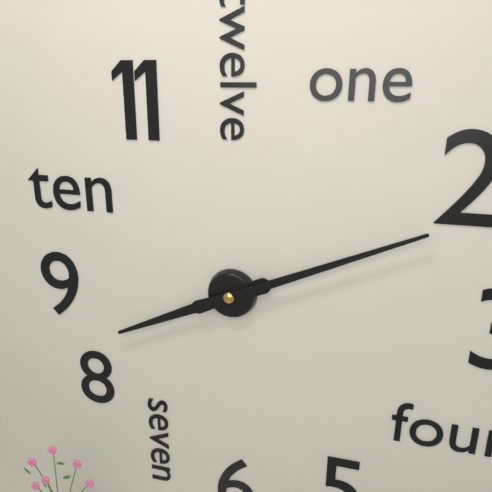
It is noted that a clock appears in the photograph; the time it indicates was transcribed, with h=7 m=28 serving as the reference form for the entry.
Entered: h=8 m=11
